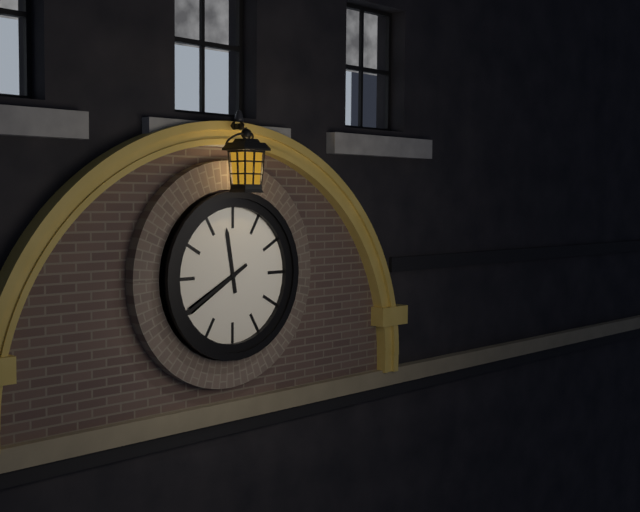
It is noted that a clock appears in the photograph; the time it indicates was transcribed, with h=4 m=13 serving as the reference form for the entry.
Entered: h=11 m=40
